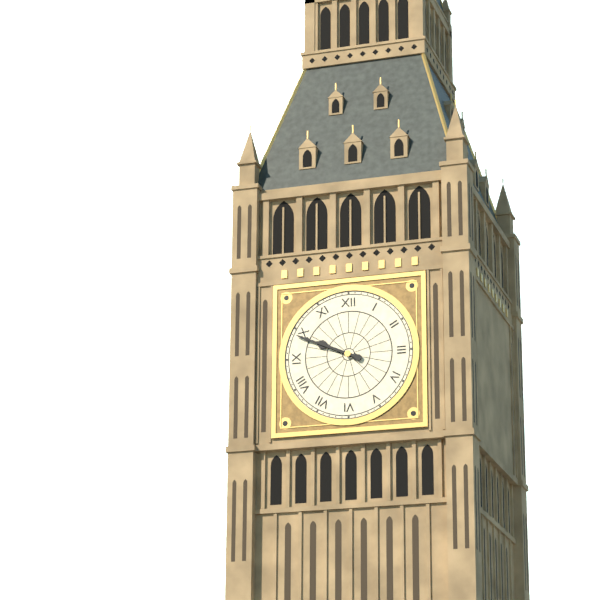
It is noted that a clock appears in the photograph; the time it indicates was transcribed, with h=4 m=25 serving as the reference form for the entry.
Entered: h=9 m=49
